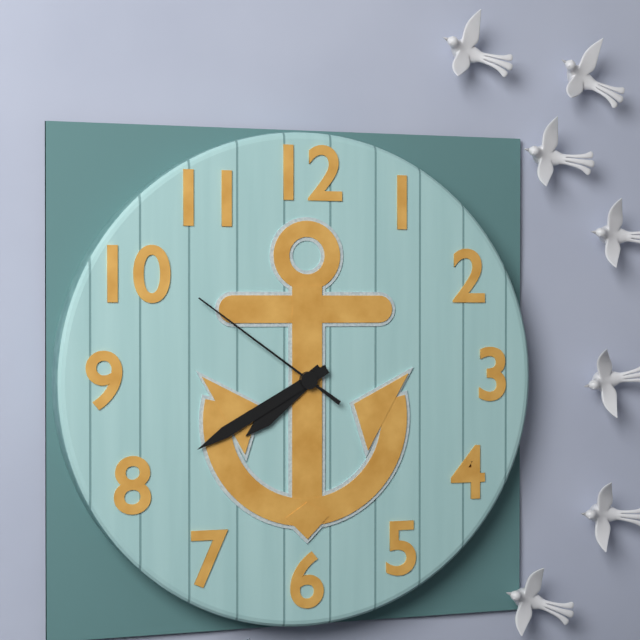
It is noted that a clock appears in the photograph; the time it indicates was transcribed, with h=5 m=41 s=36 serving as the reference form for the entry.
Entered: h=7 m=40 s=51
